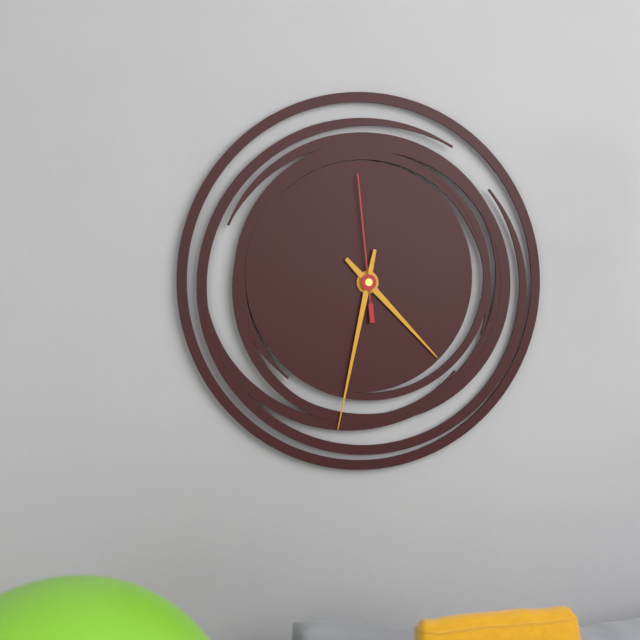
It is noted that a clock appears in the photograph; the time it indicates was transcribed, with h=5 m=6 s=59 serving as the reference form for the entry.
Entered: h=4 m=32 s=59
